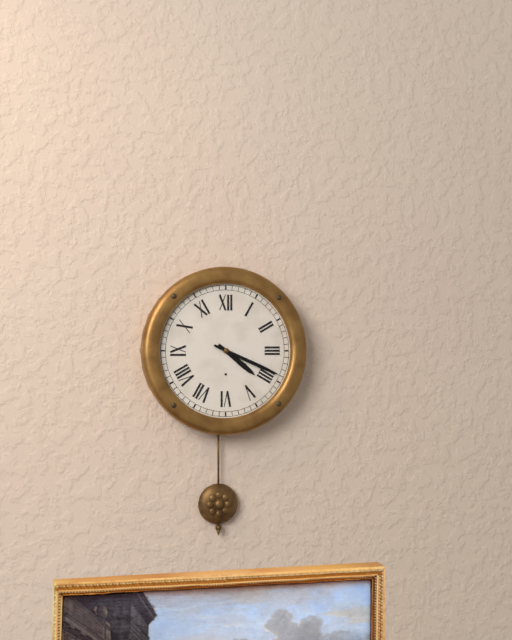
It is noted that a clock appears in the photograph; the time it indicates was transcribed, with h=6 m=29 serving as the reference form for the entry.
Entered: h=4 m=19
